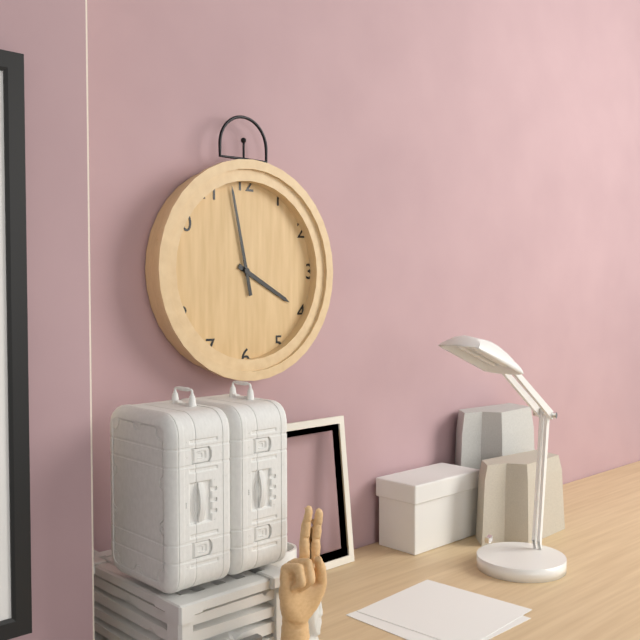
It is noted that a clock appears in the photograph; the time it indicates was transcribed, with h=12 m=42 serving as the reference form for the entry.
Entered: h=3 m=58
